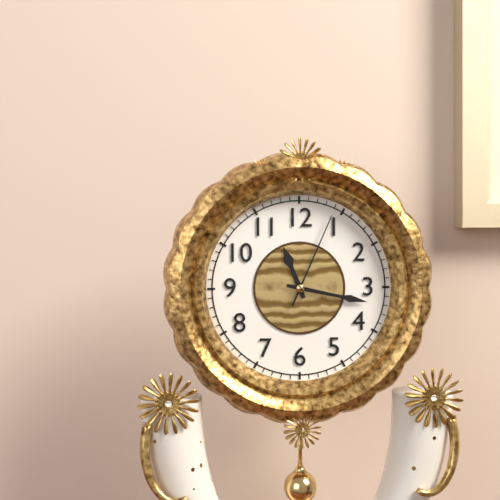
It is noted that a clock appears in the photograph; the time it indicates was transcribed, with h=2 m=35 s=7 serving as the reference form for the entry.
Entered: h=11 m=17 s=4
